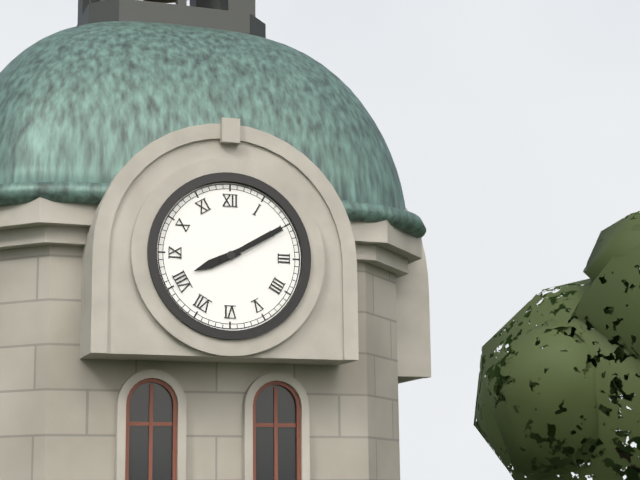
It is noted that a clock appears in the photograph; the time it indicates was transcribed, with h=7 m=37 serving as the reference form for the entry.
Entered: h=8 m=10
